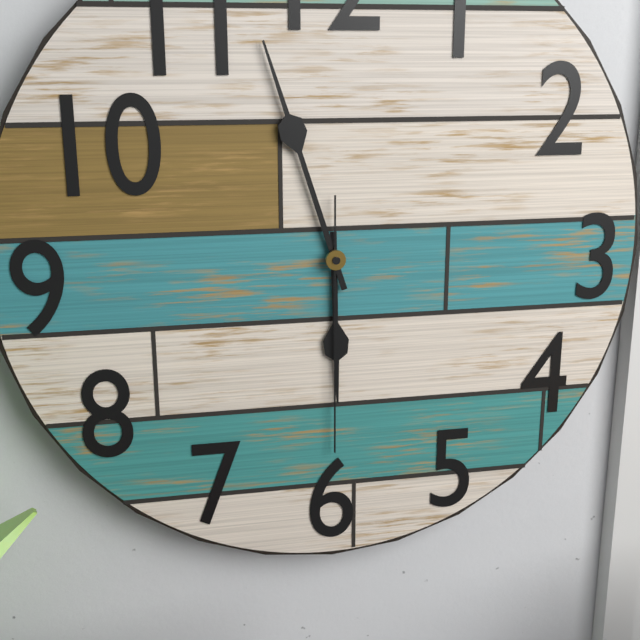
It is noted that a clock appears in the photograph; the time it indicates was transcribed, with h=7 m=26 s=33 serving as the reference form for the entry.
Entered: h=5 m=57 s=30
